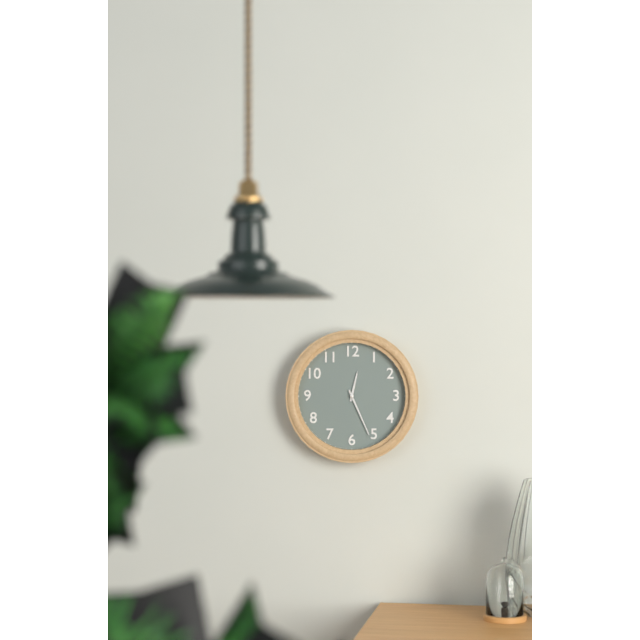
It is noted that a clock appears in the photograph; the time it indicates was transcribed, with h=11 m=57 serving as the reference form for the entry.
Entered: h=12 m=26
